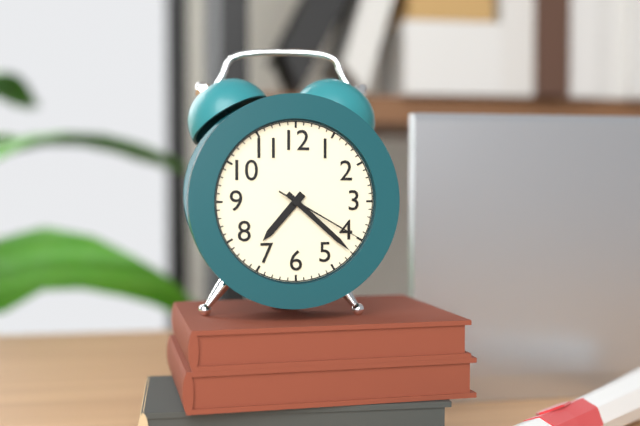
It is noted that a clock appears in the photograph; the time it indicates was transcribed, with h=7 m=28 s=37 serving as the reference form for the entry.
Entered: h=7 m=22 s=20
